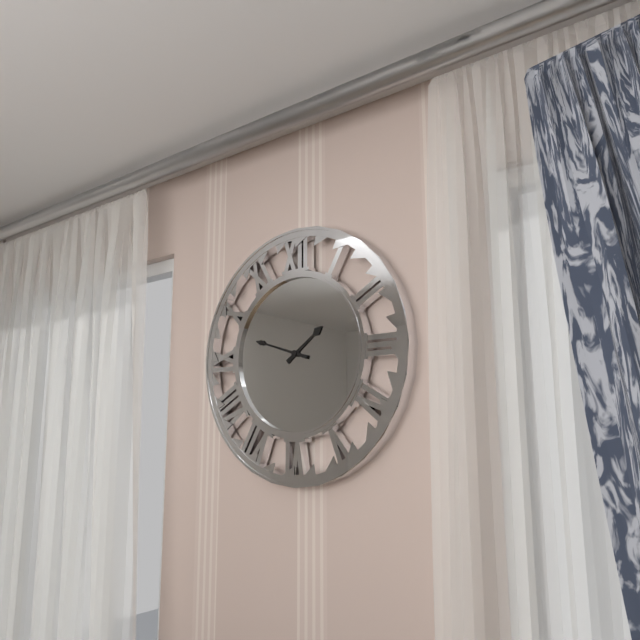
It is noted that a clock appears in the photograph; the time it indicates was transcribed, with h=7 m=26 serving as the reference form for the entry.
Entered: h=1 m=48
